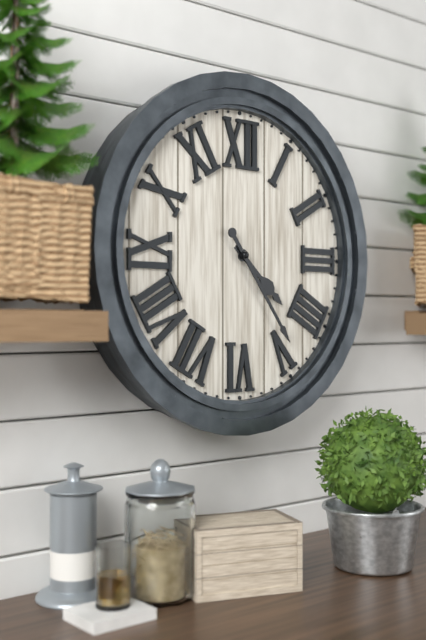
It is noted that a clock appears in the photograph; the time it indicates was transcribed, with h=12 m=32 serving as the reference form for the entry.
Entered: h=4 m=24
